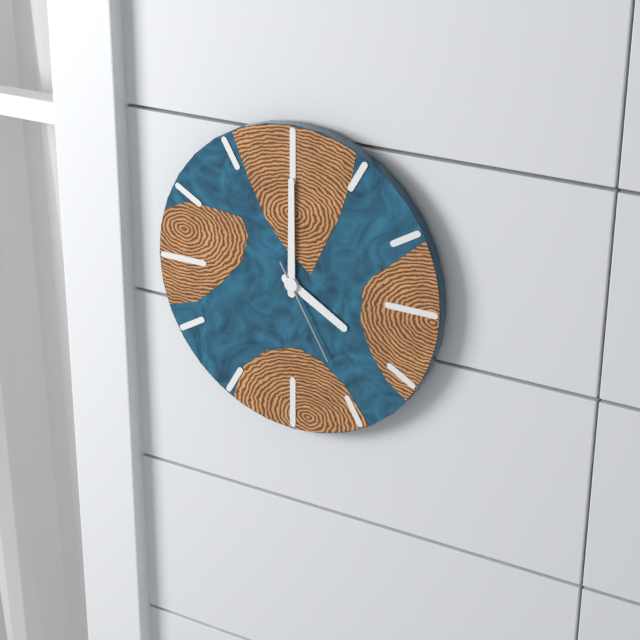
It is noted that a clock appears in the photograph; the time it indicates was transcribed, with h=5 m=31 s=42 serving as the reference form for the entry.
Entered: h=4 m=0 s=25
